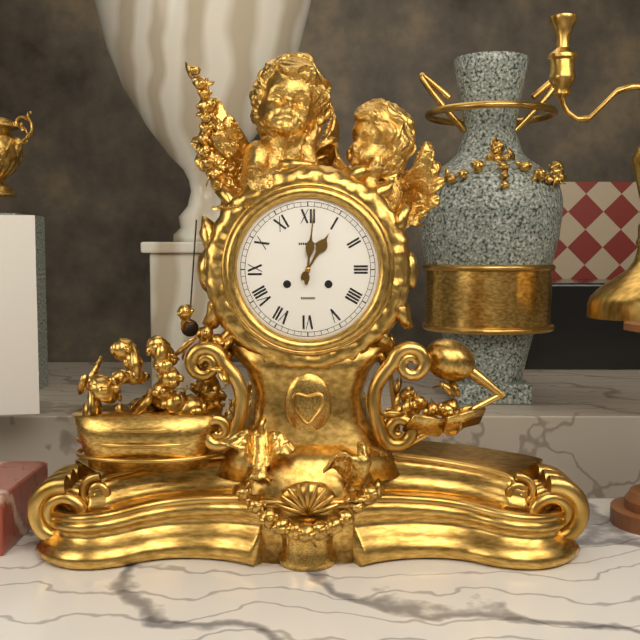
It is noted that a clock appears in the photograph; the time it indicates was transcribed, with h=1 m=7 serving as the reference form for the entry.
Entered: h=1 m=1
